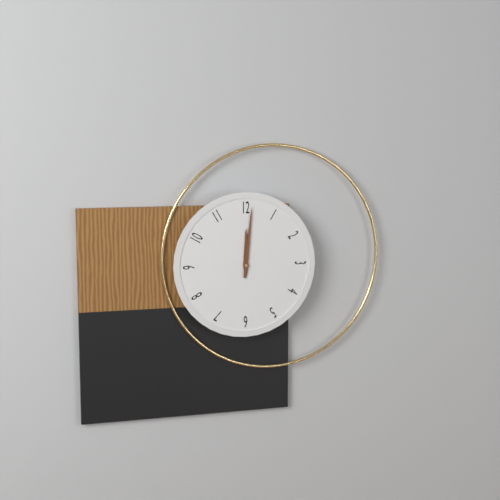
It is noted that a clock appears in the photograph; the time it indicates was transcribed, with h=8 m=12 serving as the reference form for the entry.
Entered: h=12 m=1
